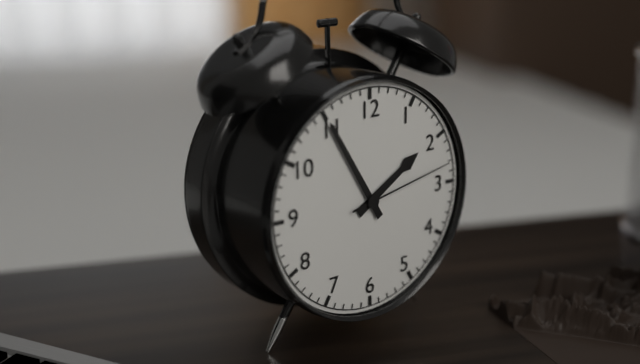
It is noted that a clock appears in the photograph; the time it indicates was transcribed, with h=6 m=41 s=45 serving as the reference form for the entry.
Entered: h=1 m=55 s=13
